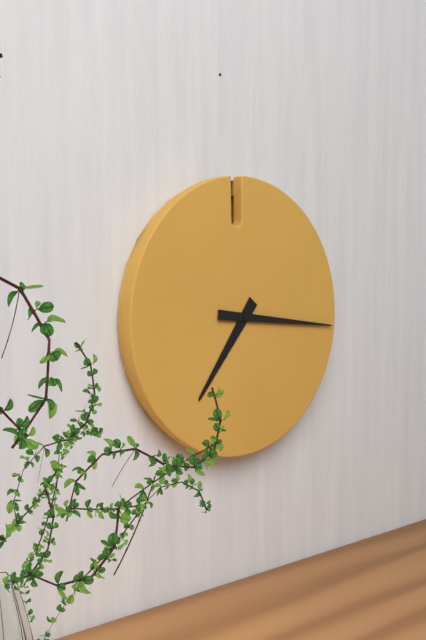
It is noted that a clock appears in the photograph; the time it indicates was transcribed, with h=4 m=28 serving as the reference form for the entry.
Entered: h=7 m=16
